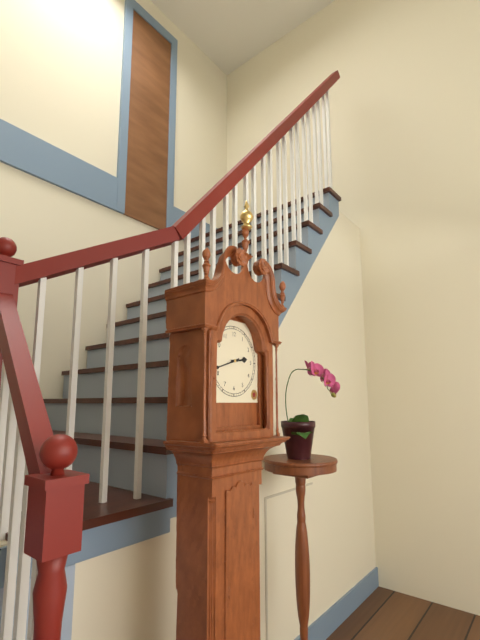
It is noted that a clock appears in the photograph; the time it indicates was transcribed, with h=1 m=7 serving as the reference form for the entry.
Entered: h=2 m=42
